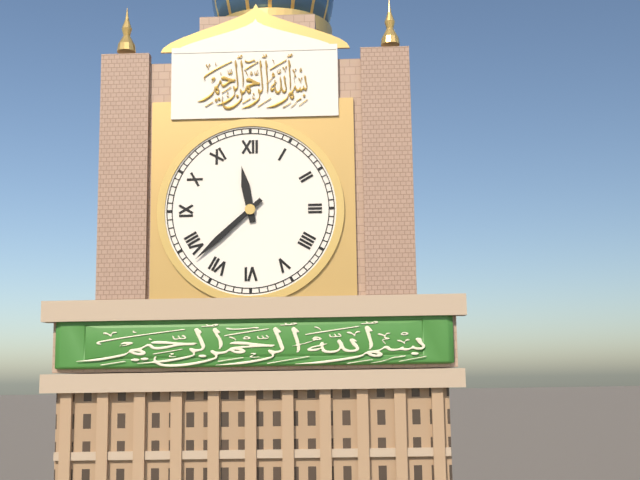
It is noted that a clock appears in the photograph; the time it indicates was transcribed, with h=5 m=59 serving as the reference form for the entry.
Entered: h=11 m=38
